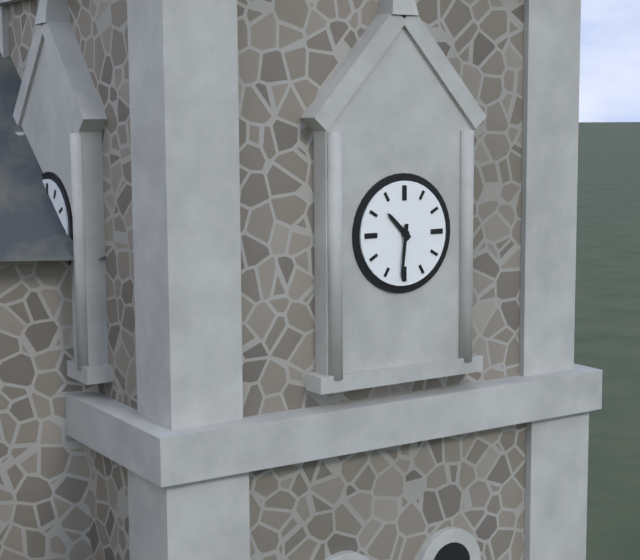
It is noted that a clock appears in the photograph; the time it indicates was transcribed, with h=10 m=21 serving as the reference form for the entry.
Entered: h=10 m=31
